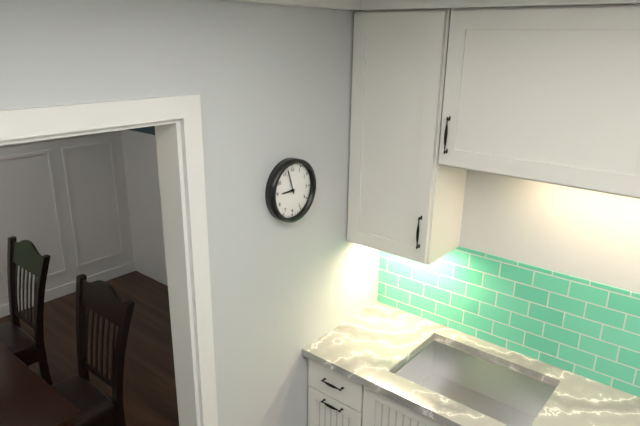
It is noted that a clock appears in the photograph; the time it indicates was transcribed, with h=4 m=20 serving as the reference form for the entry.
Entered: h=8 m=57
